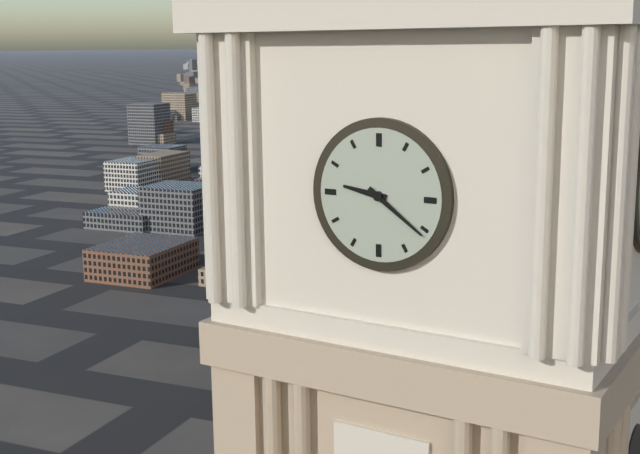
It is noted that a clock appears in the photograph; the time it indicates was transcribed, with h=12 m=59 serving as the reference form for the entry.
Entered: h=9 m=21
